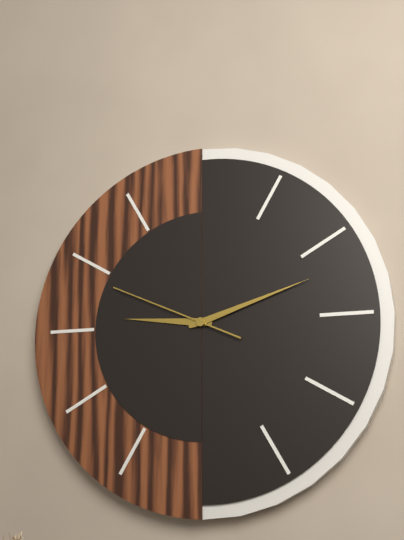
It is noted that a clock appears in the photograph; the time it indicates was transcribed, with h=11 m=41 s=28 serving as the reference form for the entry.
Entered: h=9 m=12 s=49
